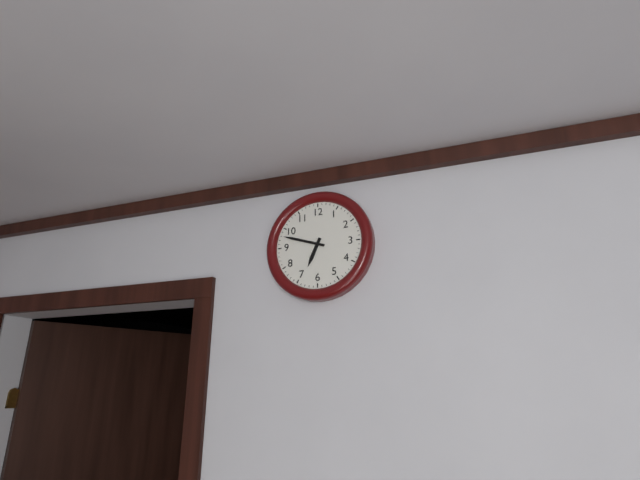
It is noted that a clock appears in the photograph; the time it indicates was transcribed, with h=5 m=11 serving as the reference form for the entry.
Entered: h=6 m=48
